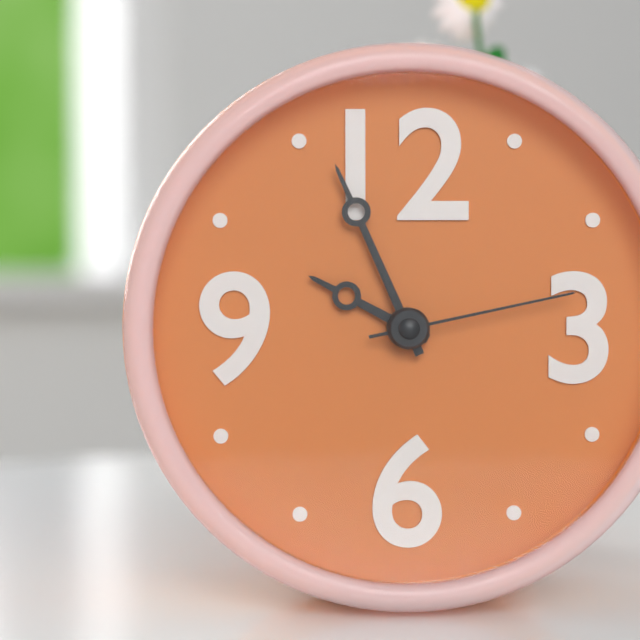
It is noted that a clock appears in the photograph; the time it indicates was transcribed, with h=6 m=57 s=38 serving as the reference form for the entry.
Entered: h=9 m=56 s=13
